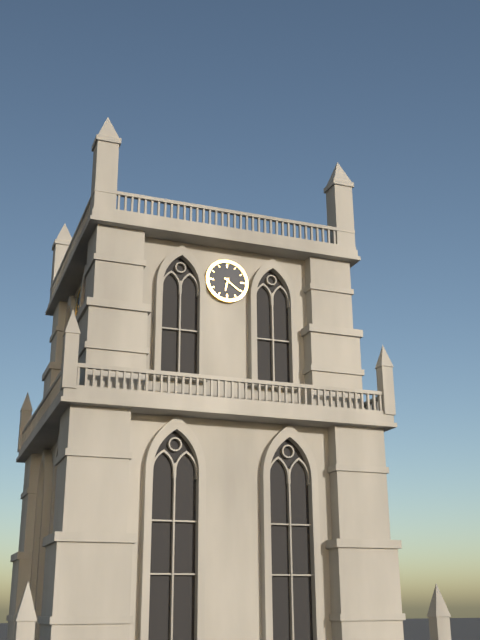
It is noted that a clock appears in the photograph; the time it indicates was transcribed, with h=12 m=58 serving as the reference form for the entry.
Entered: h=6 m=21
